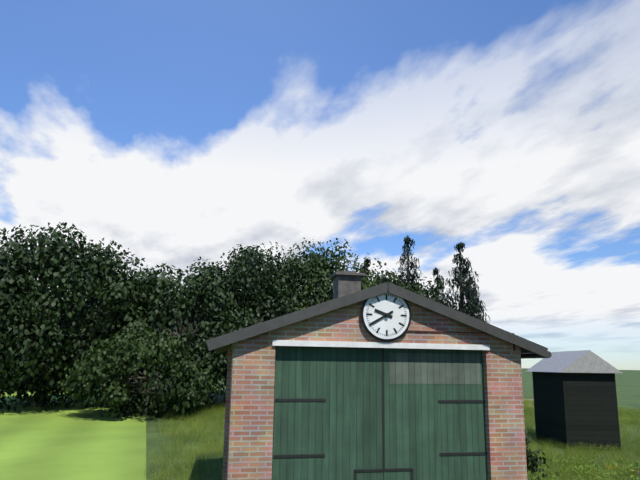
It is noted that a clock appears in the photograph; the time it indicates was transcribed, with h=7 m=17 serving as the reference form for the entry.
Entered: h=9 m=40
